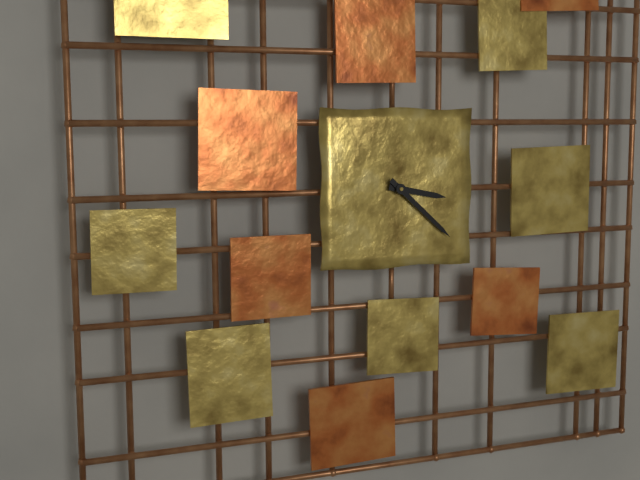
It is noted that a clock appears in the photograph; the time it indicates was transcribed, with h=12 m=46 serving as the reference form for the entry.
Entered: h=3 m=22
